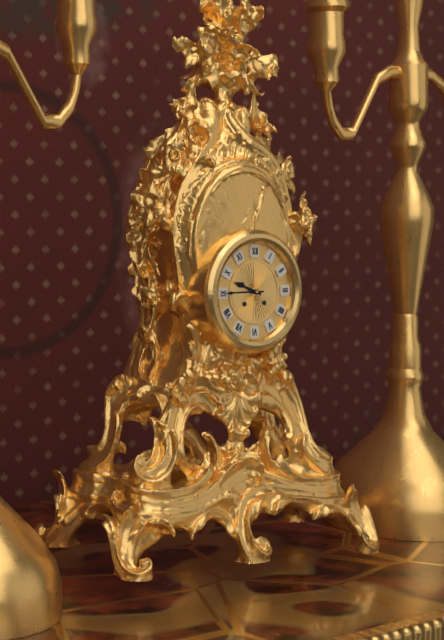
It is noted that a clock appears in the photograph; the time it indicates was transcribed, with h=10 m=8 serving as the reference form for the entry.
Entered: h=9 m=45
